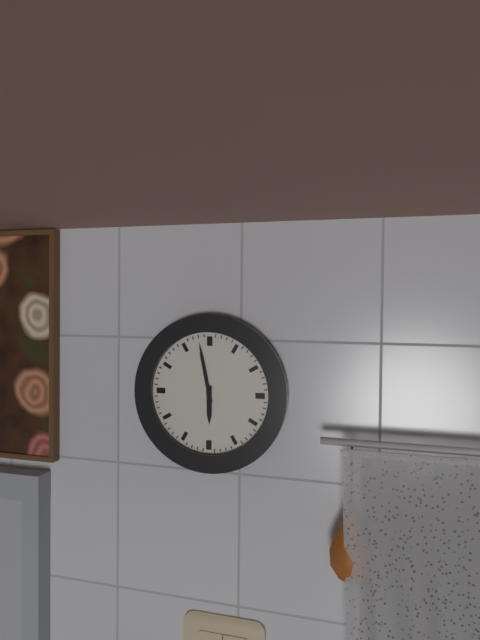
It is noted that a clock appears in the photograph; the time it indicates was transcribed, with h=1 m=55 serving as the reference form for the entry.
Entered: h=5 m=58
